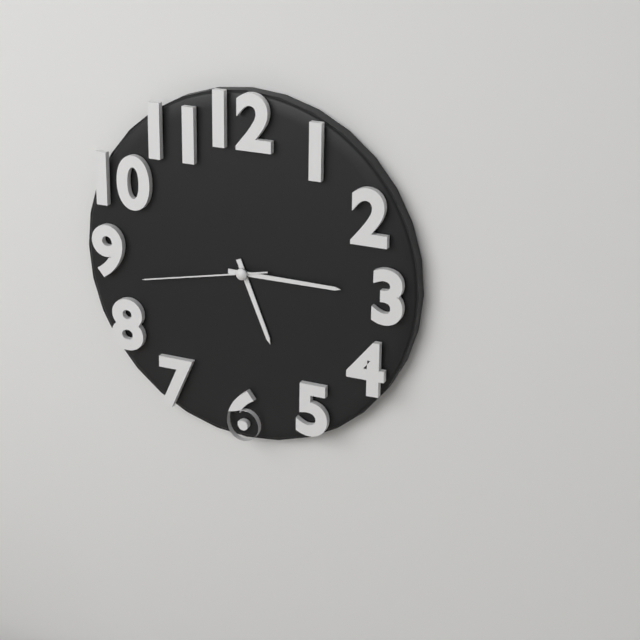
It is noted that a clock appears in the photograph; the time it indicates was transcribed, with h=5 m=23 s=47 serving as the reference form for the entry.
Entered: h=5 m=15 s=43
